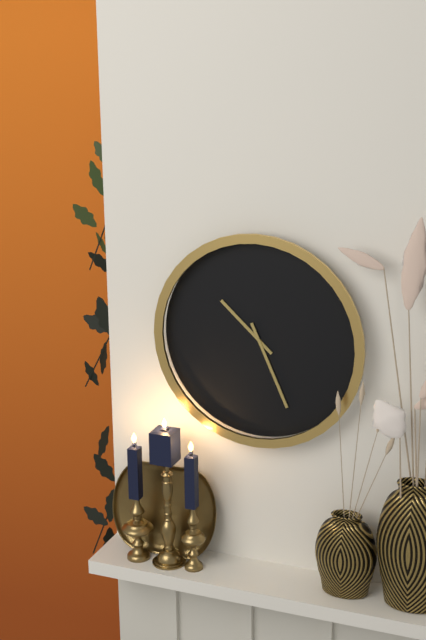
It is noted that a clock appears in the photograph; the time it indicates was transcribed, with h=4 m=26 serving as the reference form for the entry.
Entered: h=10 m=26
